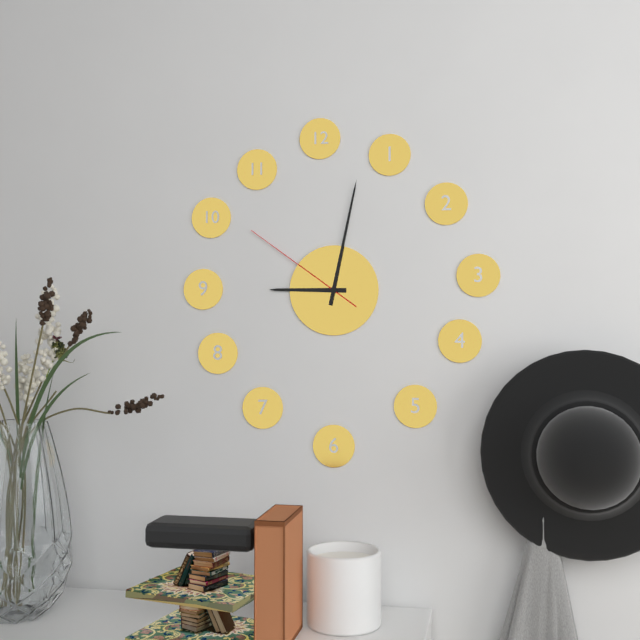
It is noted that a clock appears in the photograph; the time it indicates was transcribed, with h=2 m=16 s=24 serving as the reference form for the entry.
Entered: h=9 m=2 s=51
